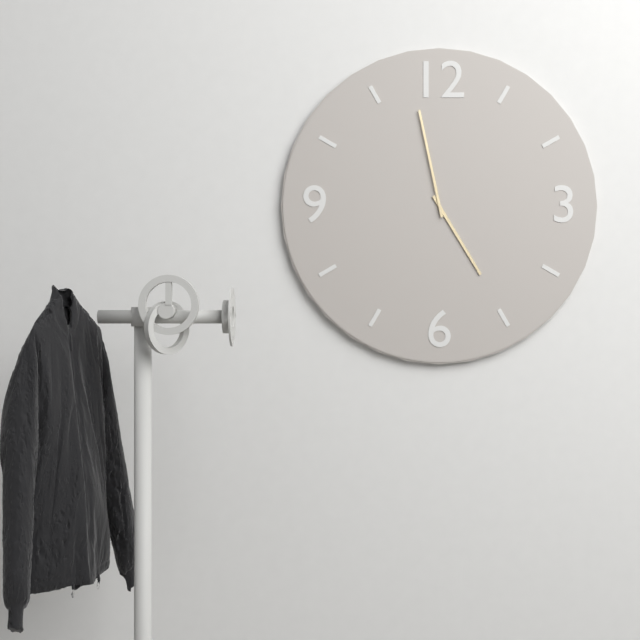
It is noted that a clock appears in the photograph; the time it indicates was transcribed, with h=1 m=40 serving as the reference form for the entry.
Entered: h=4 m=58
